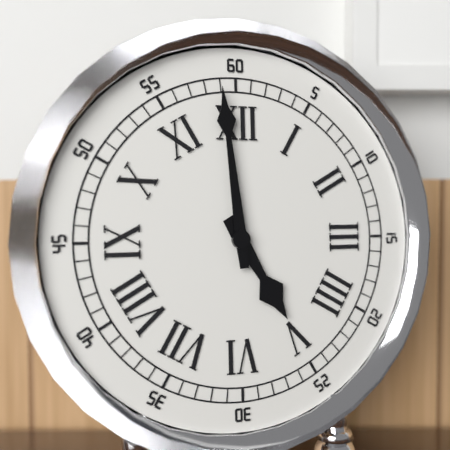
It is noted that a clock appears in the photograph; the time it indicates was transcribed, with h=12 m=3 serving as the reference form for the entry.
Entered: h=4 m=59
